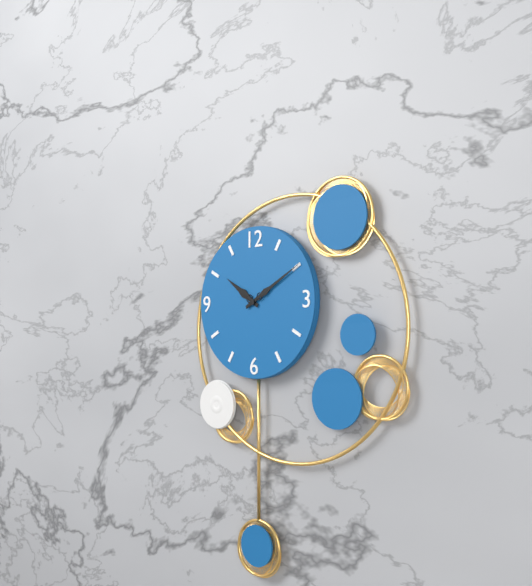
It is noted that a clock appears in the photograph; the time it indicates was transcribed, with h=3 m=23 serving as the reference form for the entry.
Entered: h=10 m=10
